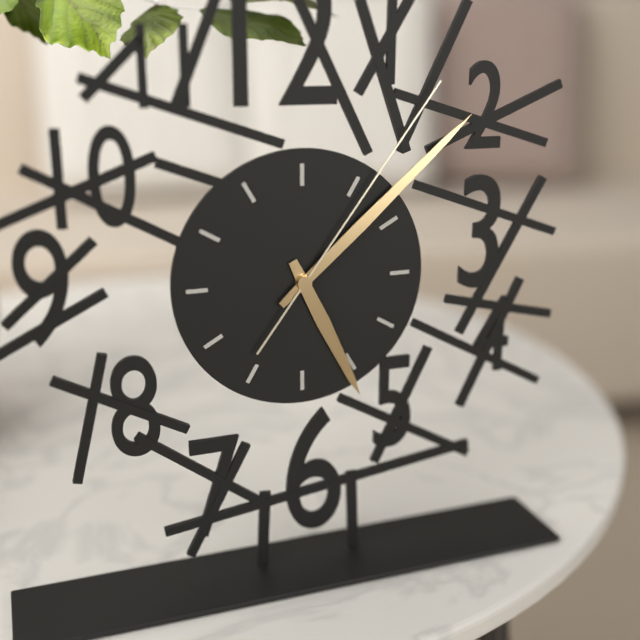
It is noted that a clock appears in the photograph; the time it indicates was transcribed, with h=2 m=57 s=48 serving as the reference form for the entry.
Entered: h=5 m=8 s=6
